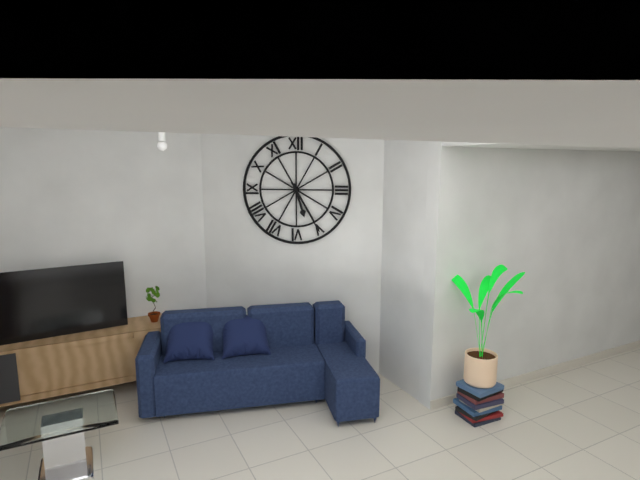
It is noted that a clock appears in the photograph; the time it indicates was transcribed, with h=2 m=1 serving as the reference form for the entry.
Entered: h=5 m=25
